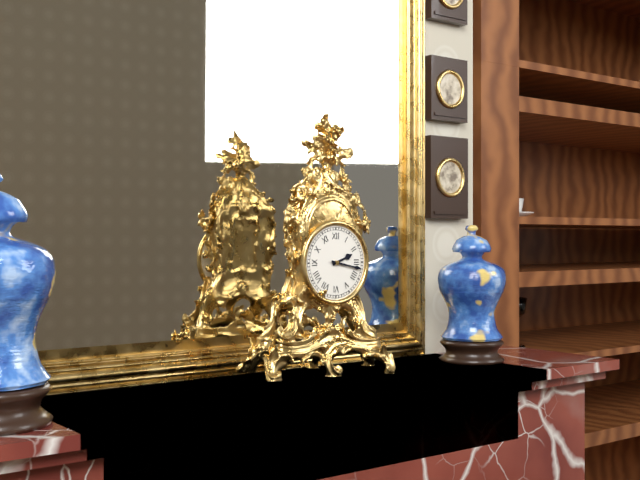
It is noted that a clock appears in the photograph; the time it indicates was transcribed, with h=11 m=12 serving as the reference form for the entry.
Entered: h=2 m=17
